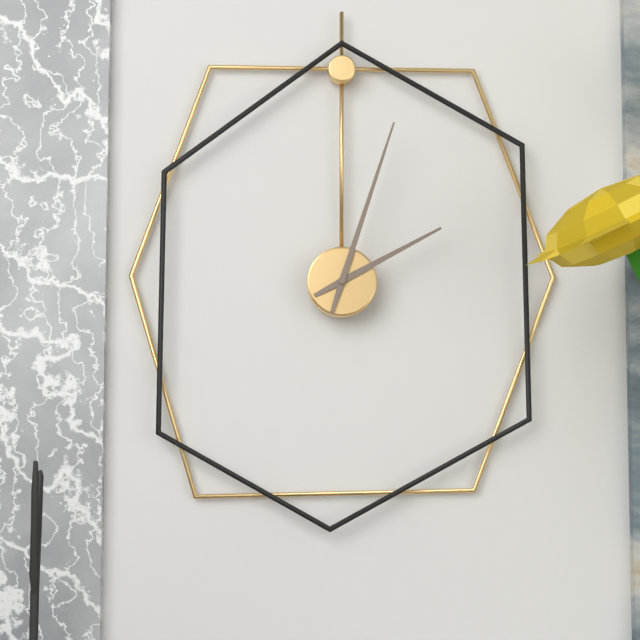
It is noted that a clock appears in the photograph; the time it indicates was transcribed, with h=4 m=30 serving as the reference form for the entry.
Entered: h=2 m=3
